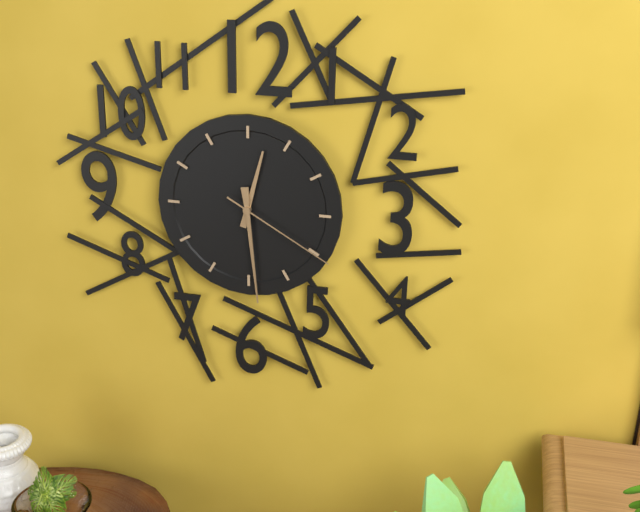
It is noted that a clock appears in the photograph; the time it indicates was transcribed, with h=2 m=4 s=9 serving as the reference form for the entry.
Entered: h=12 m=29 s=20
